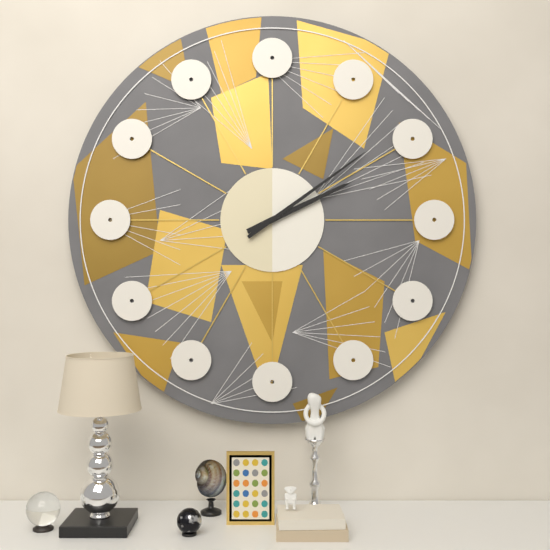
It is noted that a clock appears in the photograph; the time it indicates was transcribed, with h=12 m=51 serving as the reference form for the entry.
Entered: h=2 m=9
